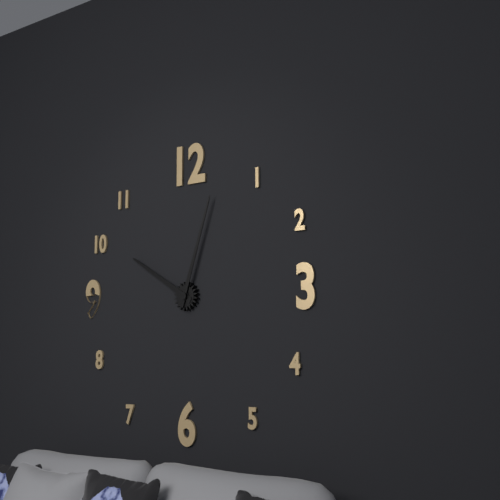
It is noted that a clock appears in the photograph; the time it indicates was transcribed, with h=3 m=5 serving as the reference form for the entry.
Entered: h=10 m=3
